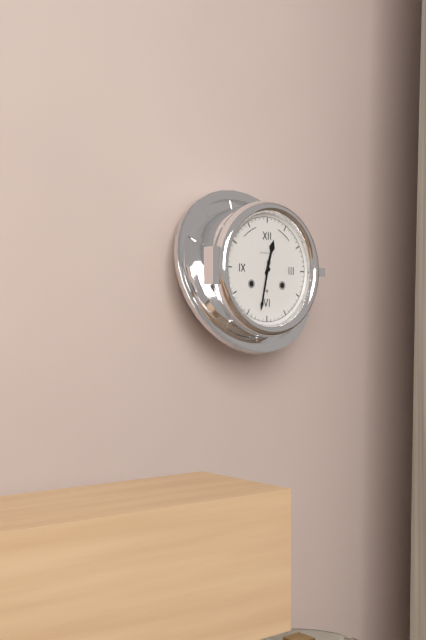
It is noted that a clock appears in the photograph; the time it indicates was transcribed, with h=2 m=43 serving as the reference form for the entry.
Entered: h=12 m=32
